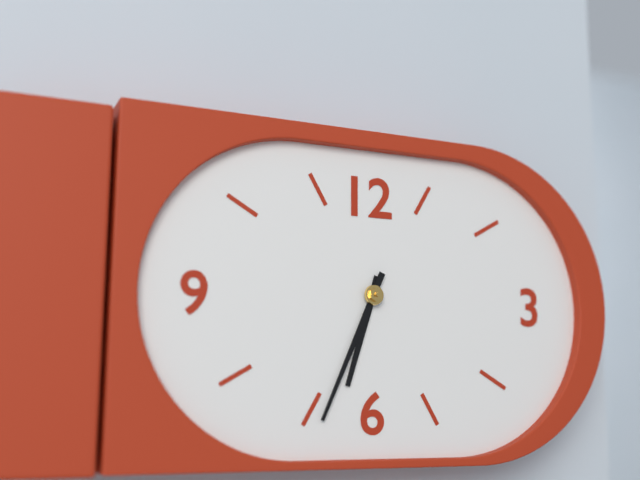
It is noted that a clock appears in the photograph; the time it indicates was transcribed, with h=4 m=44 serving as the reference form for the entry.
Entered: h=6 m=34
